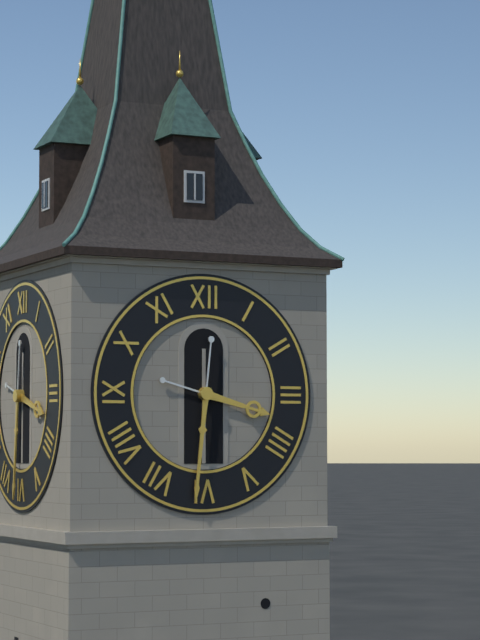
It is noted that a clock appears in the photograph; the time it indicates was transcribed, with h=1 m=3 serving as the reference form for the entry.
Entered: h=3 m=31
